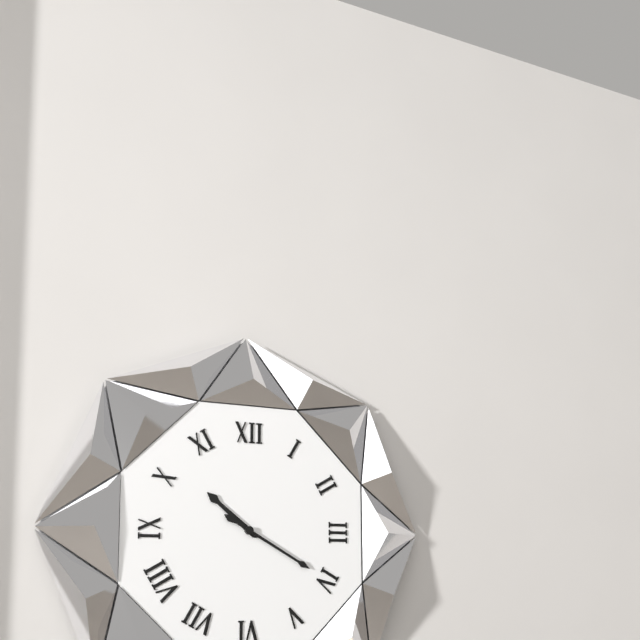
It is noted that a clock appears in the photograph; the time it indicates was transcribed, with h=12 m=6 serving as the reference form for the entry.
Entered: h=10 m=20
